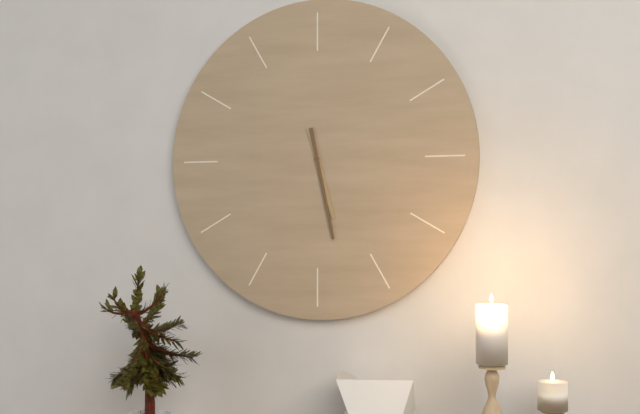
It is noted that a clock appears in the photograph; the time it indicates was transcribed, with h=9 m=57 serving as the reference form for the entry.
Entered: h=5 m=28
